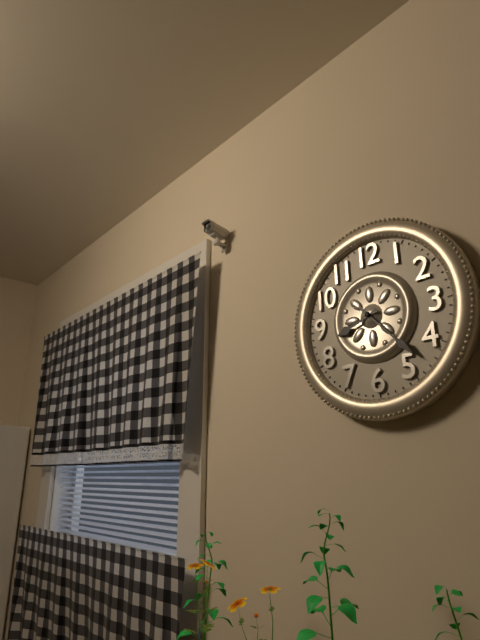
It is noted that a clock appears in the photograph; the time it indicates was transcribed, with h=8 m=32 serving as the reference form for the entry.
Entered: h=8 m=23
